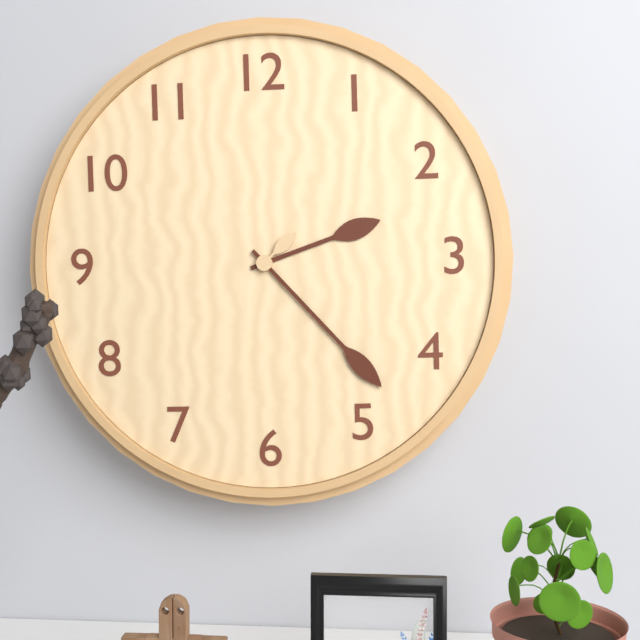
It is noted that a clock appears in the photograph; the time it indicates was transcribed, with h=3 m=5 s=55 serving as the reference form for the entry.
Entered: h=2 m=23 s=8
